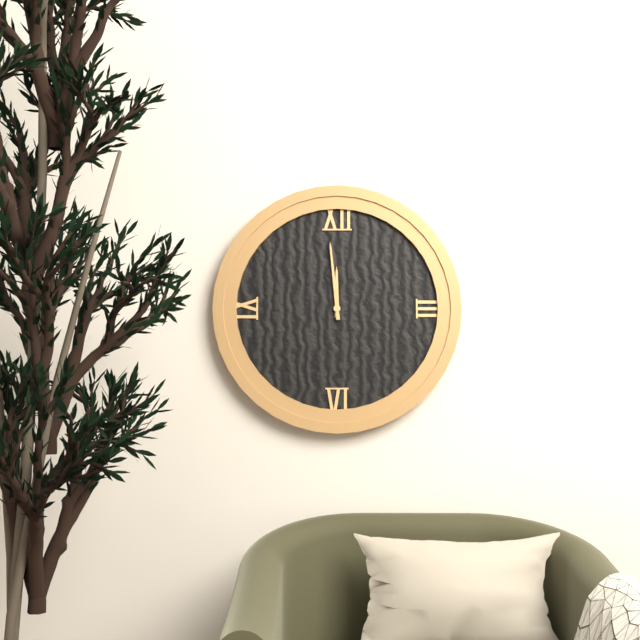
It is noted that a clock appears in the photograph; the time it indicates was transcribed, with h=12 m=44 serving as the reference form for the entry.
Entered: h=11 m=59
